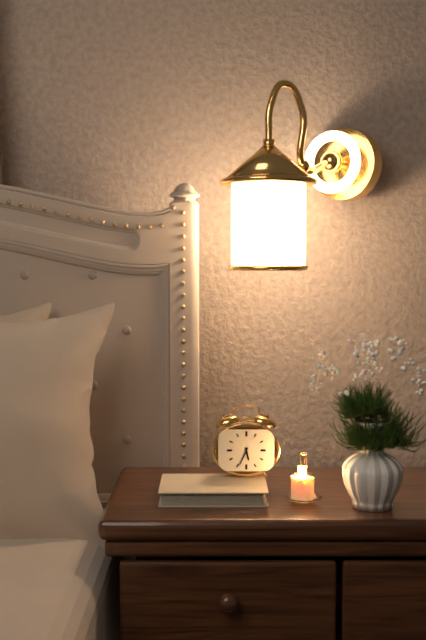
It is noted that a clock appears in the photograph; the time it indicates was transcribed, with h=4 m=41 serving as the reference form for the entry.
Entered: h=5 m=34
